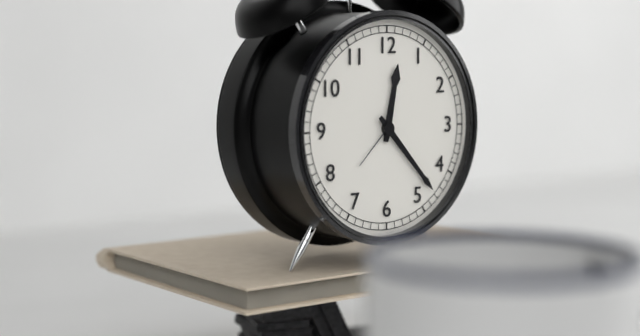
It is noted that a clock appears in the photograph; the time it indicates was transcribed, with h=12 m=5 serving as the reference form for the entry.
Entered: h=12 m=23
